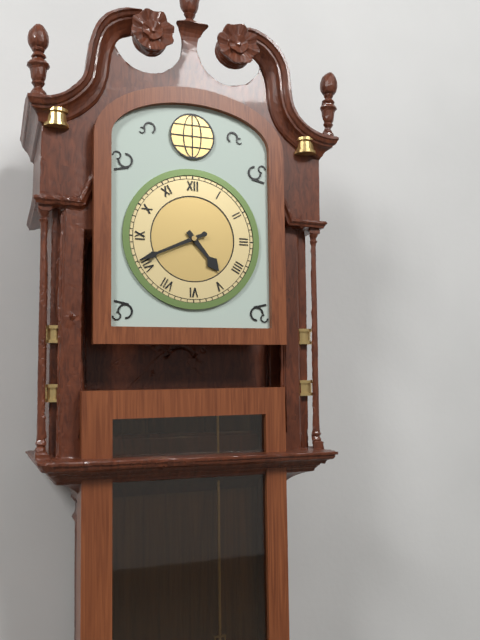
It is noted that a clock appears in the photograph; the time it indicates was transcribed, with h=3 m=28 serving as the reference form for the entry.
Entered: h=4 m=41
